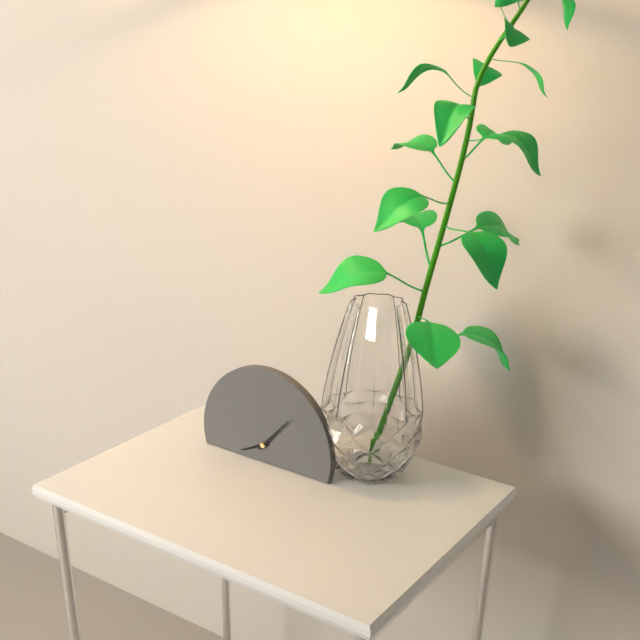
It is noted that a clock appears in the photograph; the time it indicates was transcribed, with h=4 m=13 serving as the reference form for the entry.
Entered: h=8 m=7
